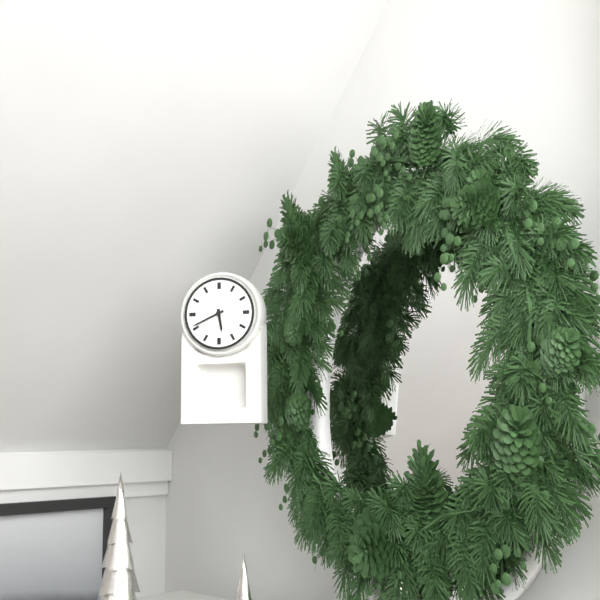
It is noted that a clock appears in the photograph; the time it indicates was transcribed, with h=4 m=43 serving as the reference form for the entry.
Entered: h=5 m=41
